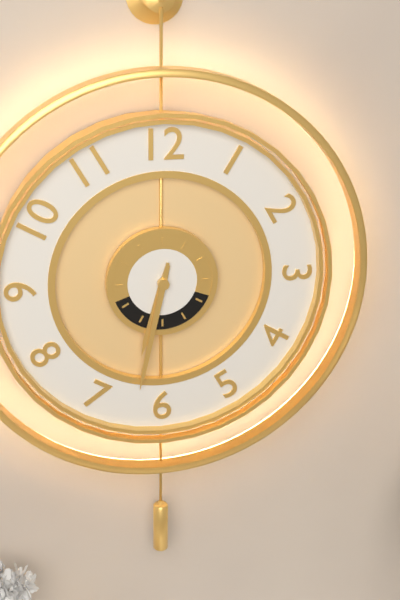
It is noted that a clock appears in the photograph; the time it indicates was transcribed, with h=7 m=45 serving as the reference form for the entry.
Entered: h=6 m=32
